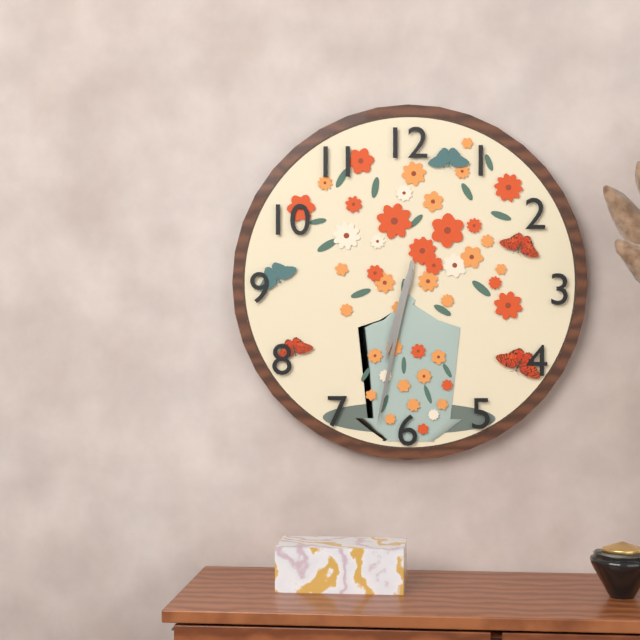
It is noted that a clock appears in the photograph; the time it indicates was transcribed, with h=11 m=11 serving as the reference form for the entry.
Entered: h=6 m=32
